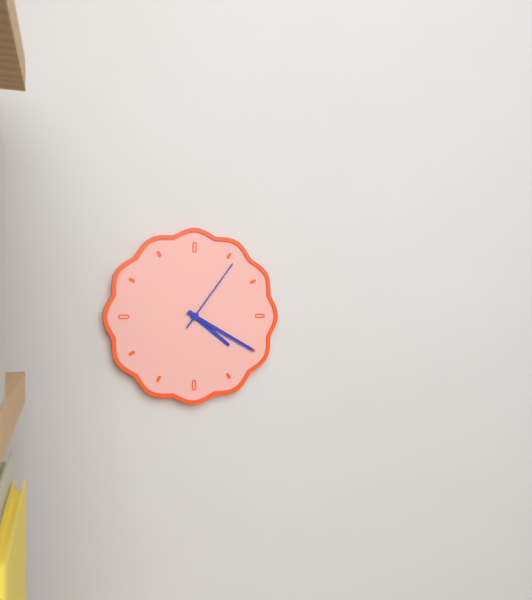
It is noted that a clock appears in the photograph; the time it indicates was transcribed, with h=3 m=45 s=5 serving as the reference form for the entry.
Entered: h=4 m=20 s=6
